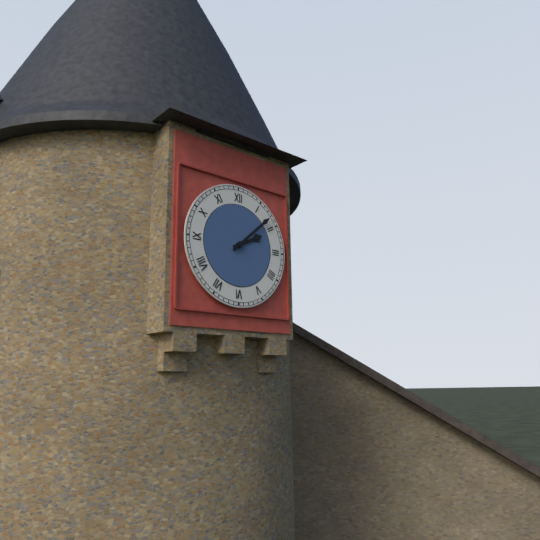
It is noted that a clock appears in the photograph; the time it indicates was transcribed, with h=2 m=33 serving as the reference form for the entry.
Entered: h=2 m=8
